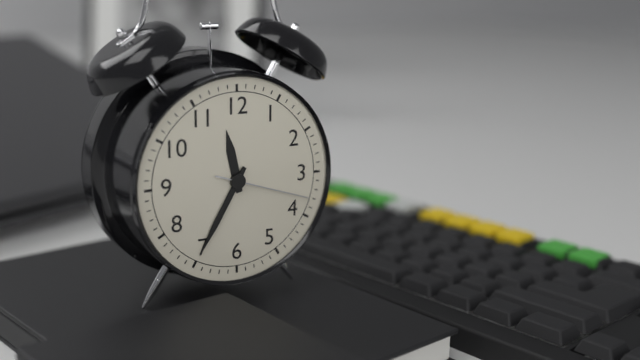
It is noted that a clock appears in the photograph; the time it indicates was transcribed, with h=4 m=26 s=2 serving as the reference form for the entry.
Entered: h=11 m=35 s=18
